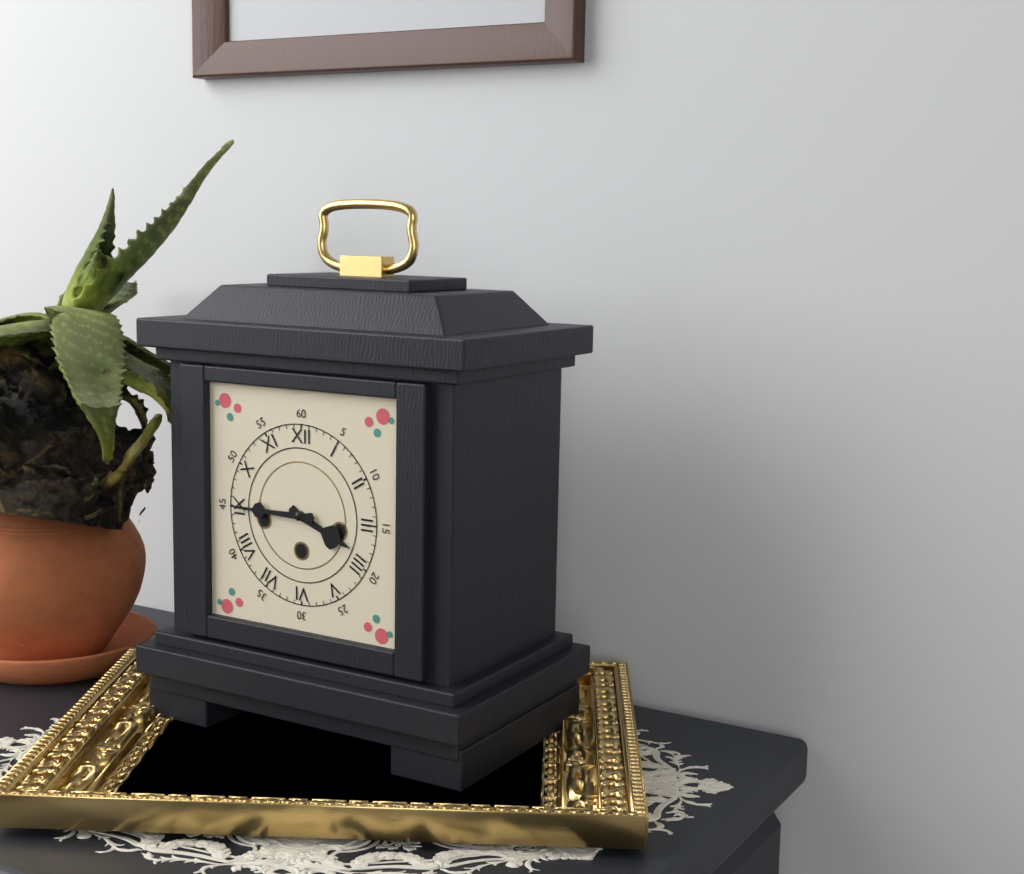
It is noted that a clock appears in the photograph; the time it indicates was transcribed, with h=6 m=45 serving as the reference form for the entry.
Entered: h=3 m=45
